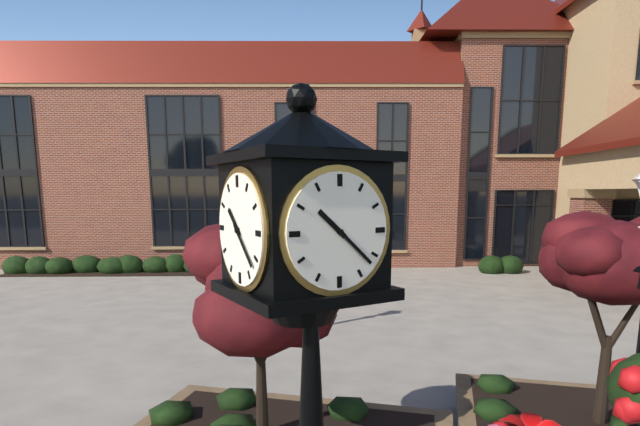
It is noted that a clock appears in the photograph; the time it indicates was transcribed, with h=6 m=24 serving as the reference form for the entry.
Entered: h=10 m=22
